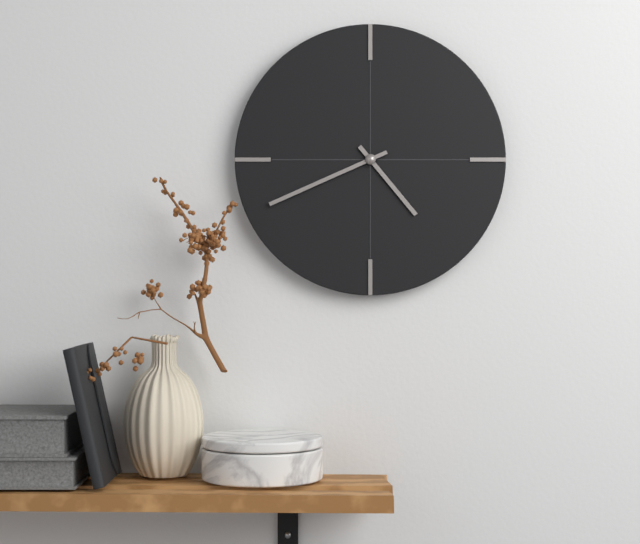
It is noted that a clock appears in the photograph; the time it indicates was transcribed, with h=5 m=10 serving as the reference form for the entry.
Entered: h=4 m=41
